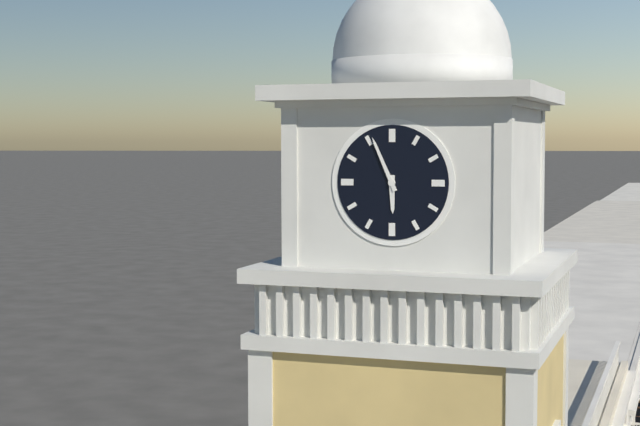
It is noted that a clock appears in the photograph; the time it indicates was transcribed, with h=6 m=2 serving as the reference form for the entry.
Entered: h=5 m=56
